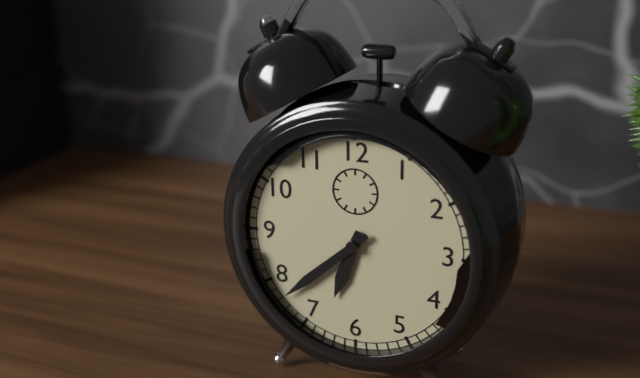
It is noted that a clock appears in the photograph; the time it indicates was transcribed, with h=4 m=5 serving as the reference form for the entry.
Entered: h=6 m=38
